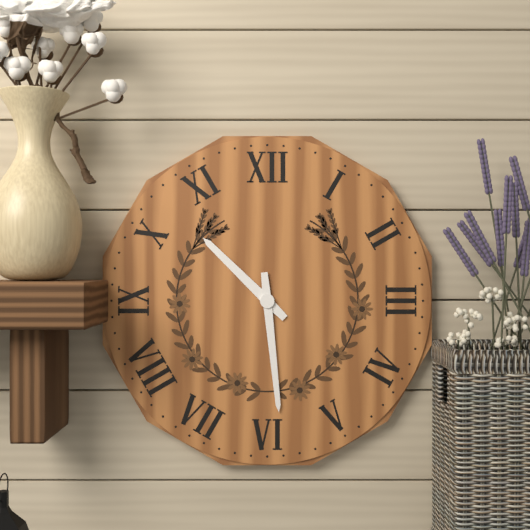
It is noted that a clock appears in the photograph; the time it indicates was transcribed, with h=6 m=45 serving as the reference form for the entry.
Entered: h=10 m=29
